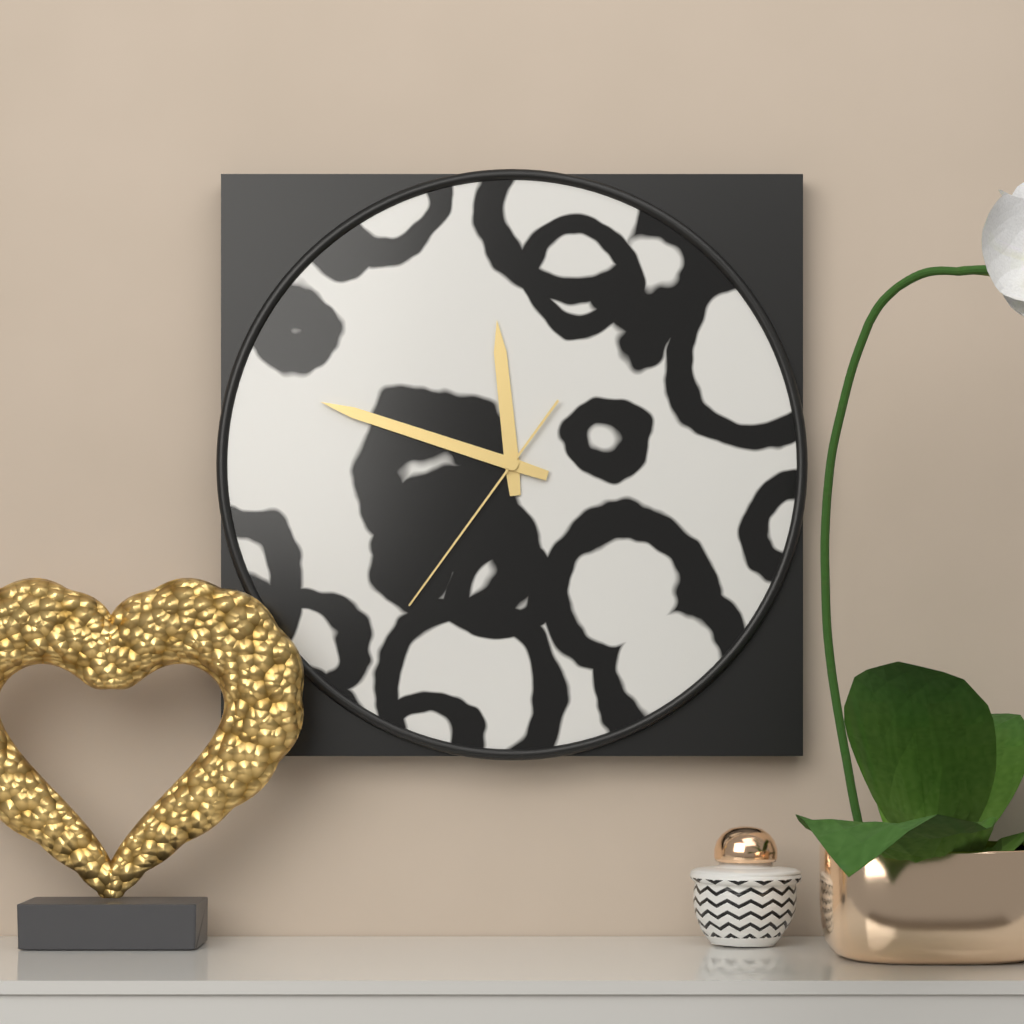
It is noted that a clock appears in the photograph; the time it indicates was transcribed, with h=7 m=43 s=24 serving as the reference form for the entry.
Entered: h=11 m=48 s=36
